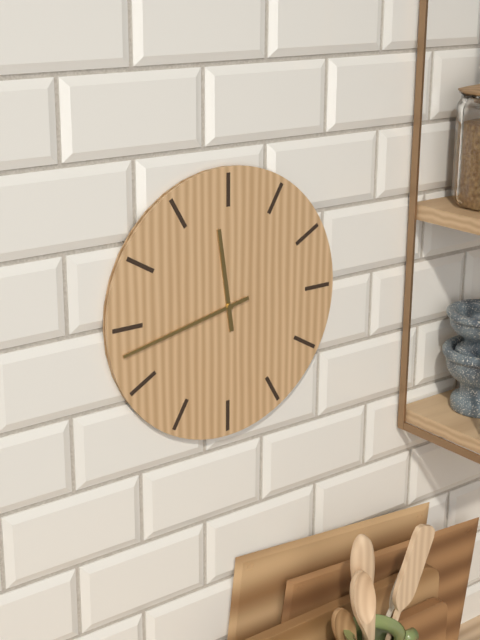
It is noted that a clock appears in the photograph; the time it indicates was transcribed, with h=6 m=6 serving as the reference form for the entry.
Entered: h=11 m=43
